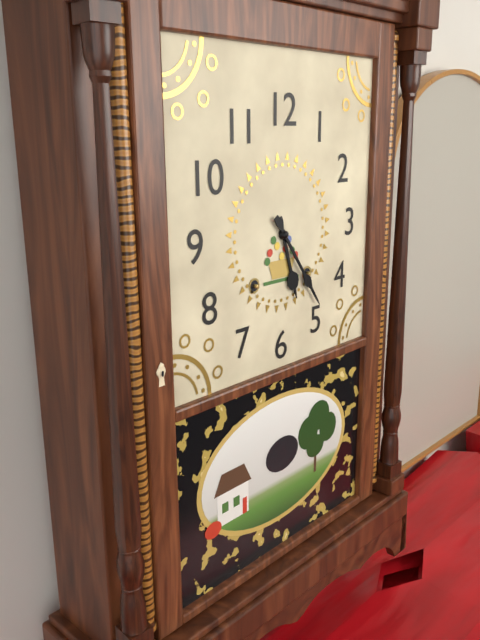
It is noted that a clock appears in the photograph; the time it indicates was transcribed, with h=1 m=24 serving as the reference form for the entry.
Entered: h=5 m=24
